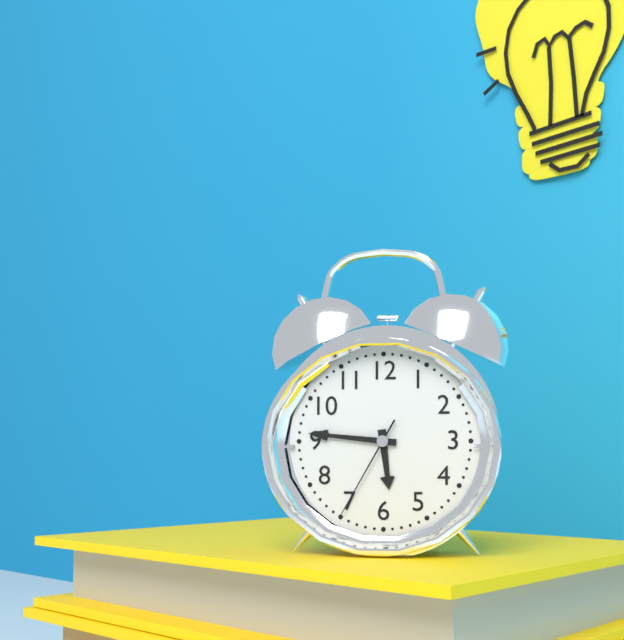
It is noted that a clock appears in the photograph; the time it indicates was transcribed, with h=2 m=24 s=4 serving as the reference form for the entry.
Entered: h=5 m=46 s=35
